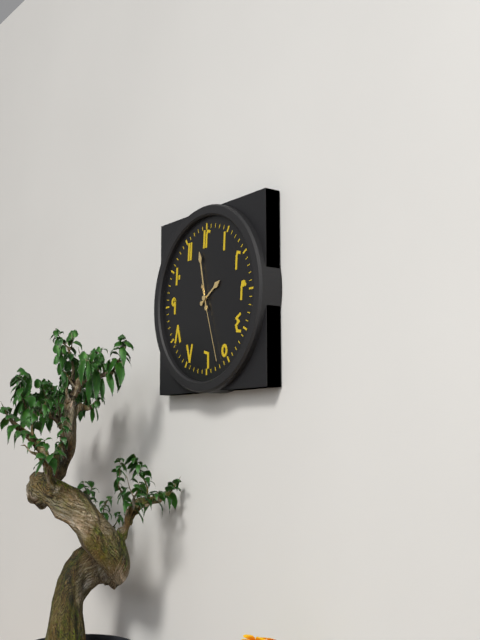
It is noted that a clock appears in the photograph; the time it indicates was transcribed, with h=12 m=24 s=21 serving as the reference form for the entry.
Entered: h=1 m=58 s=27
